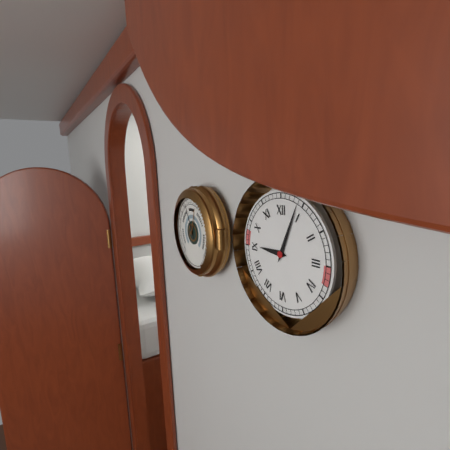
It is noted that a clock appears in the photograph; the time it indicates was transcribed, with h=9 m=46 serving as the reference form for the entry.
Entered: h=9 m=4
